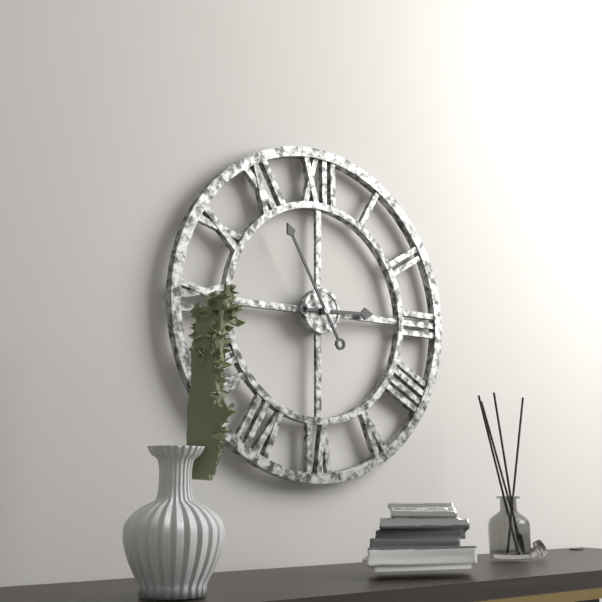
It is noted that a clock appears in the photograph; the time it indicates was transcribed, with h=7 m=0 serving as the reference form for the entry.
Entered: h=2 m=55
